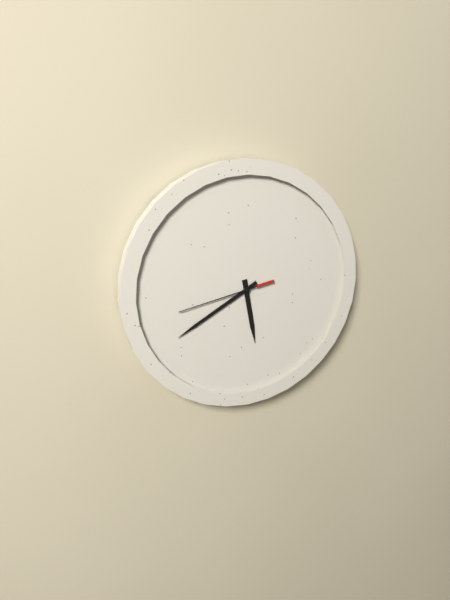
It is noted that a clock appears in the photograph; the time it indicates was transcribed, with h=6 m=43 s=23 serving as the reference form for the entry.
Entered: h=5 m=40 s=43
